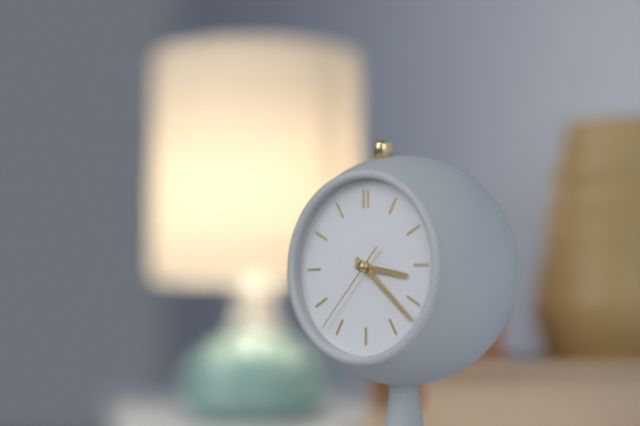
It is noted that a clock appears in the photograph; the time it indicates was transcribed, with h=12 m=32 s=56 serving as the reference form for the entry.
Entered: h=3 m=22 s=37
